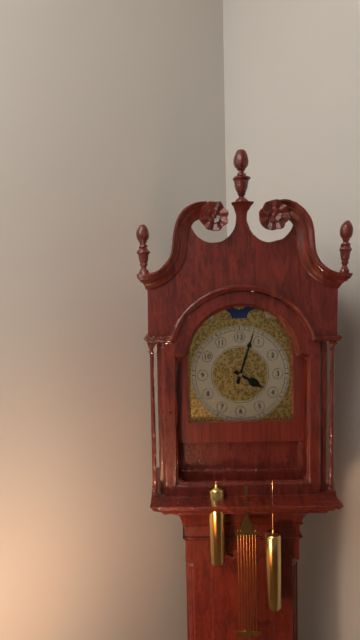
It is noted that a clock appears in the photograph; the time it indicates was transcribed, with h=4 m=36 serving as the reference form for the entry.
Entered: h=4 m=3
